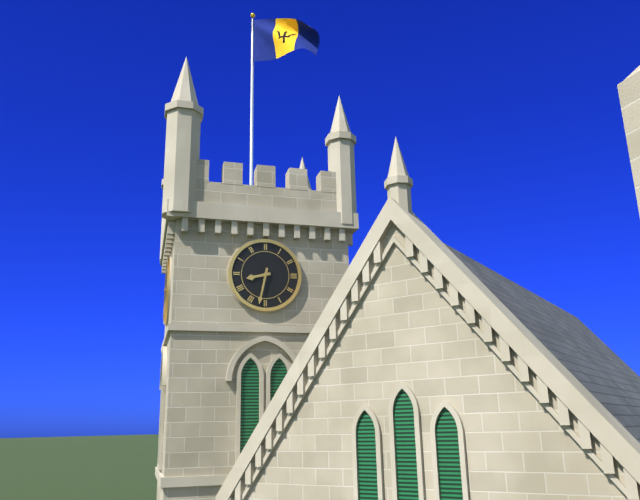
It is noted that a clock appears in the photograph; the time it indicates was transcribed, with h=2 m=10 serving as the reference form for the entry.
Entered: h=8 m=32
